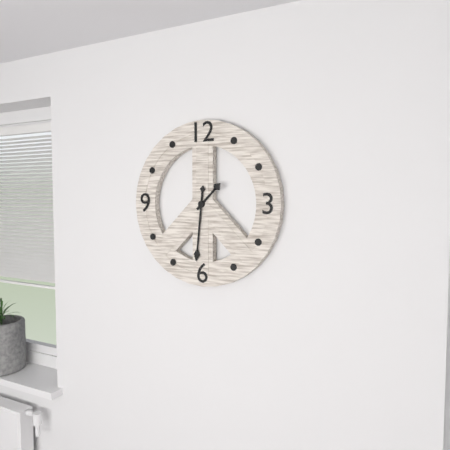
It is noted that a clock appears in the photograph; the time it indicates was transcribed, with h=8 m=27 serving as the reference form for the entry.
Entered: h=1 m=31
